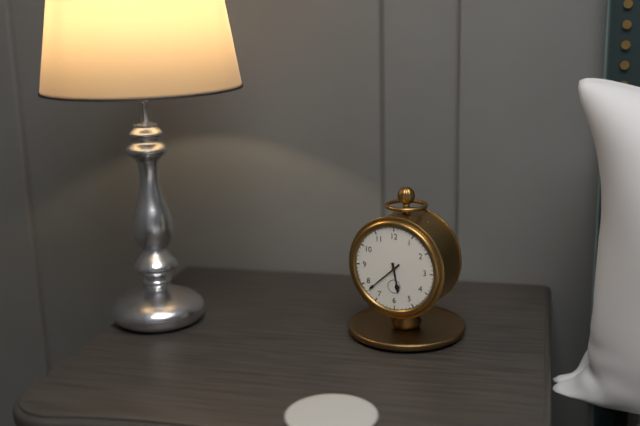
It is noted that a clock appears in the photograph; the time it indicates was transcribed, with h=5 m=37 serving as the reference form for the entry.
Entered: h=5 m=38
